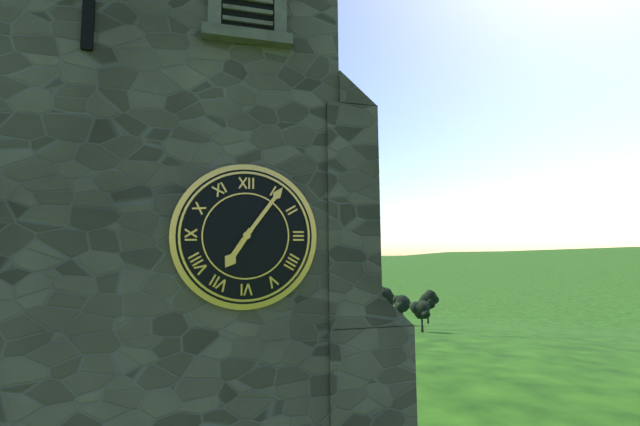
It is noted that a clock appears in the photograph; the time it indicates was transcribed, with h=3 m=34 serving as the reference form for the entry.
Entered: h=7 m=6
